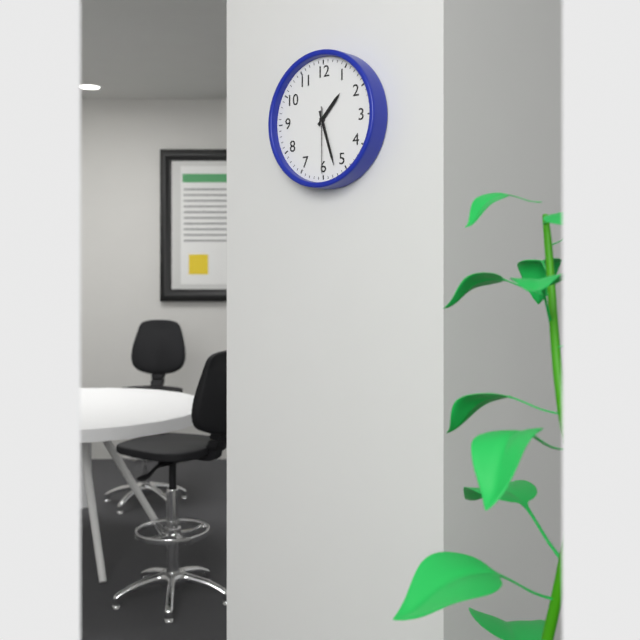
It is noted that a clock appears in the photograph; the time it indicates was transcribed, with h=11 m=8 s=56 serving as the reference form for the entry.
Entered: h=1 m=27 s=30
